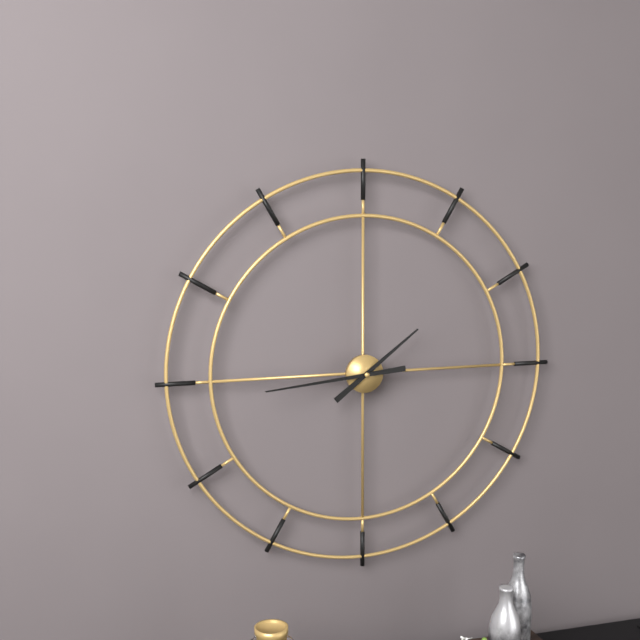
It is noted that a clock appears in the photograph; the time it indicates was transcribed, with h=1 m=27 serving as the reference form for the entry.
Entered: h=1 m=44
